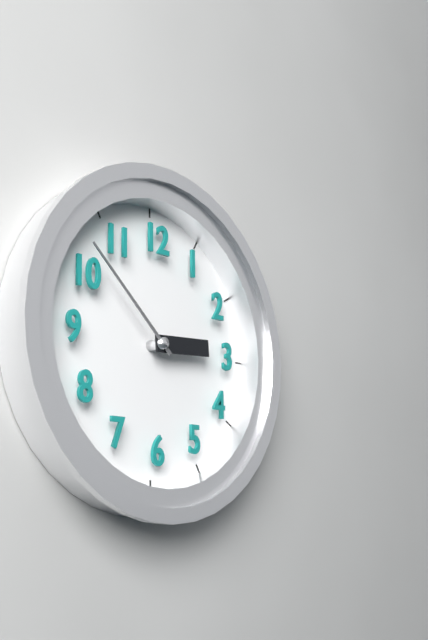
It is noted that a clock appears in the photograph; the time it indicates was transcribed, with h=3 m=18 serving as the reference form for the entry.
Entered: h=2 m=52
